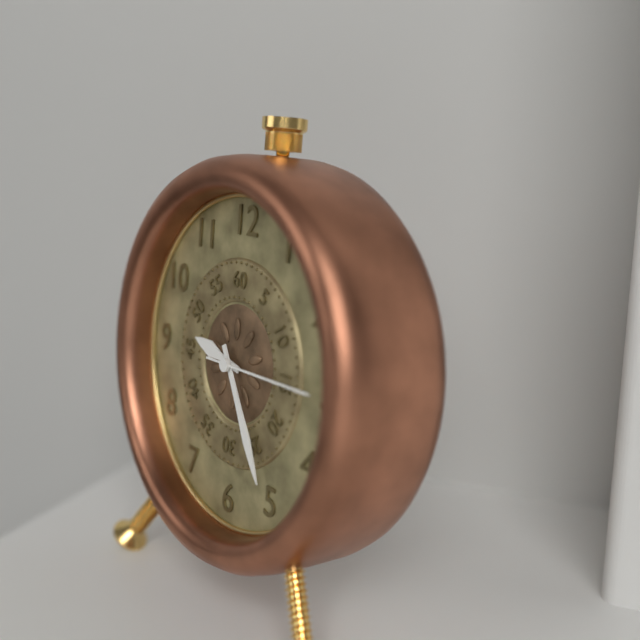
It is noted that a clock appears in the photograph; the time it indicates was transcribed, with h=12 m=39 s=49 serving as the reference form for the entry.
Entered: h=9 m=25 s=15
